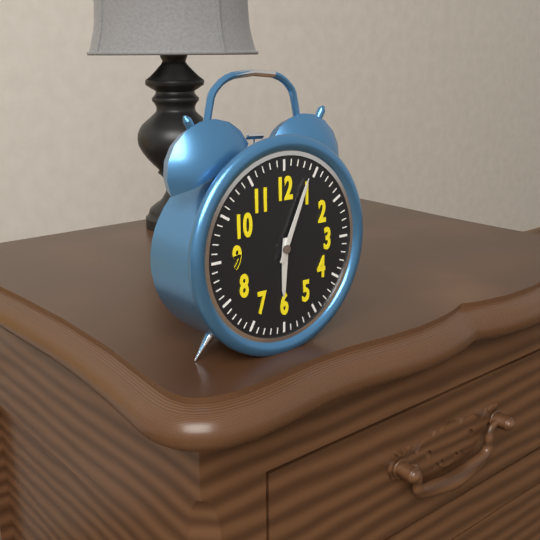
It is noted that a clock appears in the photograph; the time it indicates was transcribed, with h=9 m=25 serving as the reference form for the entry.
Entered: h=6 m=4
